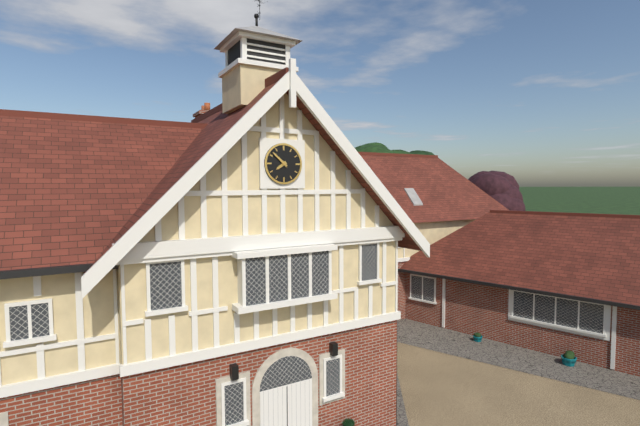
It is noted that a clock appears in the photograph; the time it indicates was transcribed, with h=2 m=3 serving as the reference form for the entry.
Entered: h=7 m=52
